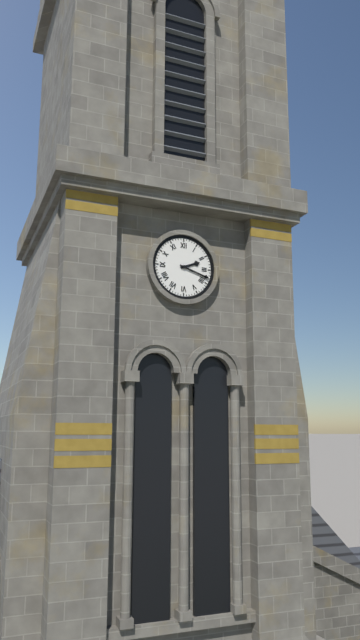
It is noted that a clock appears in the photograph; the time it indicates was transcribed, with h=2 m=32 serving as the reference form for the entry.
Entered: h=2 m=18
